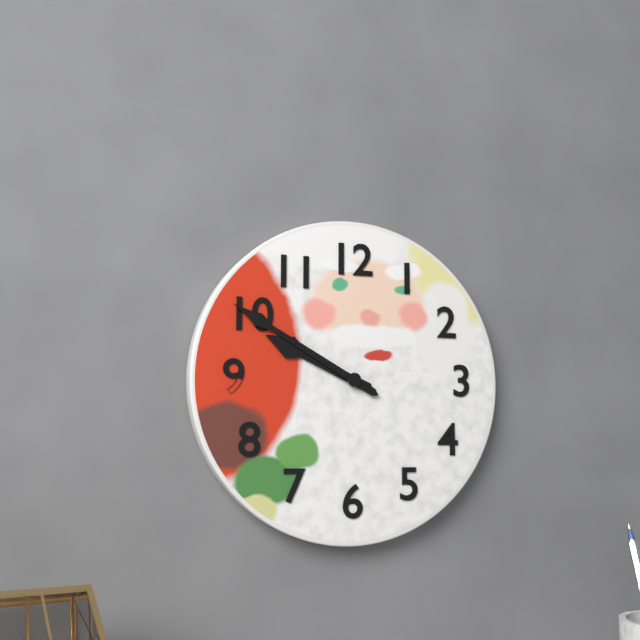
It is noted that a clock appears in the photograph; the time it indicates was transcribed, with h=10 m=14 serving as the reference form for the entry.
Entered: h=9 m=50
